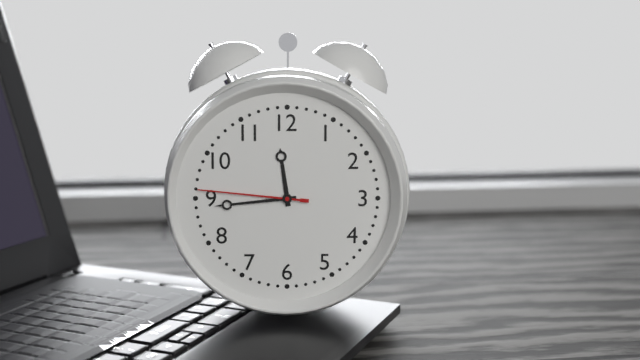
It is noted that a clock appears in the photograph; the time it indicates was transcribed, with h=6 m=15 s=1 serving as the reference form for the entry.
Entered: h=11 m=44 s=46
